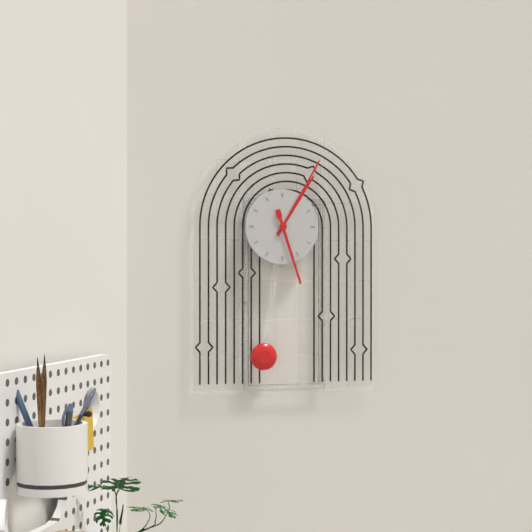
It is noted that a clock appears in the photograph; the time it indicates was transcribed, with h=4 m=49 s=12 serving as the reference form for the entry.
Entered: h=1 m=5 s=27
